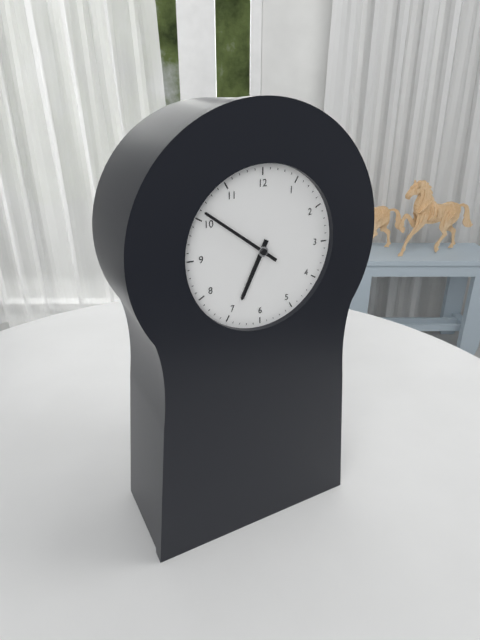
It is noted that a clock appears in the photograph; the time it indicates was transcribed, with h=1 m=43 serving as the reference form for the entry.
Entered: h=6 m=51
